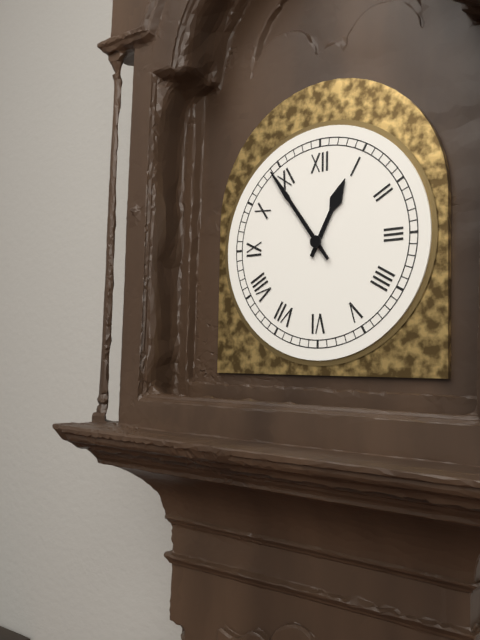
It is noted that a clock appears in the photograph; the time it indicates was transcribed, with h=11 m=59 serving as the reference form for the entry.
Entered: h=12 m=54
